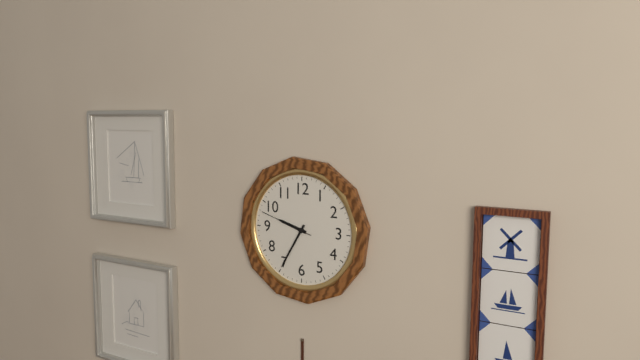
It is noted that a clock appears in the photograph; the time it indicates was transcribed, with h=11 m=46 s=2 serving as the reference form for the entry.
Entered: h=9 m=35 s=48
